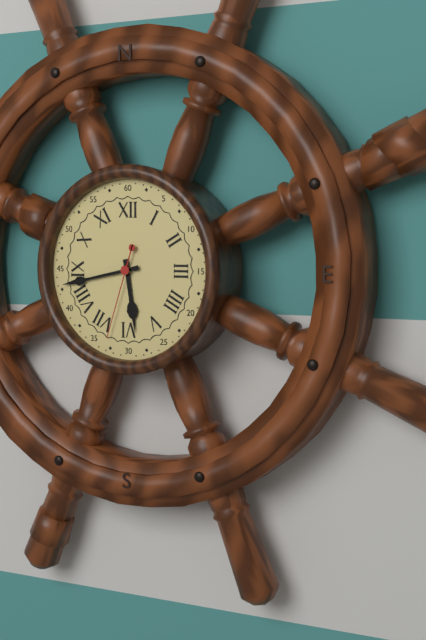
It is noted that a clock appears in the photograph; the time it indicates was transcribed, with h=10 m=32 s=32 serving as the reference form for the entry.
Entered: h=5 m=43 s=33
